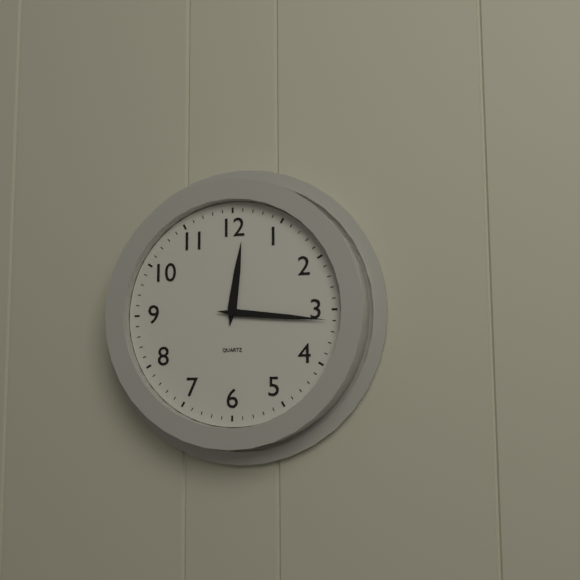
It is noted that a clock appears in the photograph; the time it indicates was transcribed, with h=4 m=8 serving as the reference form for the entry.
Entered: h=12 m=16
